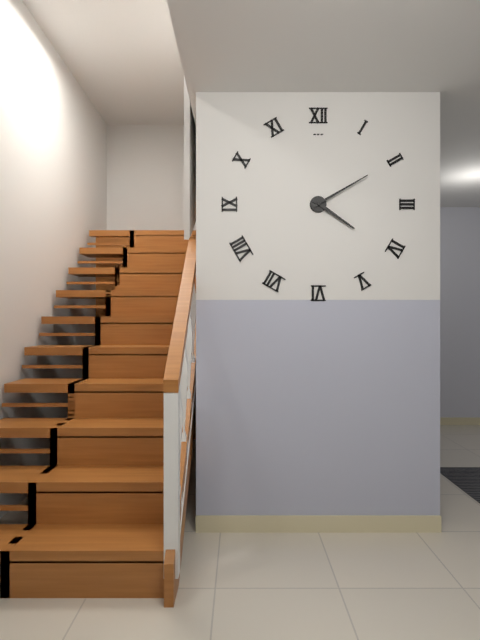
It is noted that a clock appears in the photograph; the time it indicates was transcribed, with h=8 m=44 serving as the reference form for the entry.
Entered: h=4 m=10
